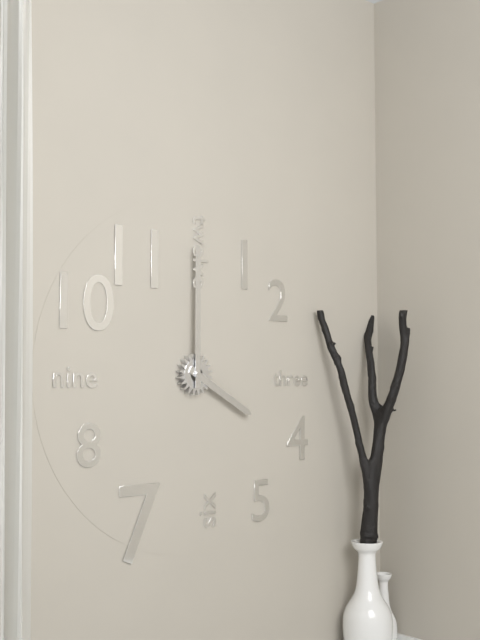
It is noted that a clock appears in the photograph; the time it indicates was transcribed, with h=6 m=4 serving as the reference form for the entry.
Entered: h=4 m=0
